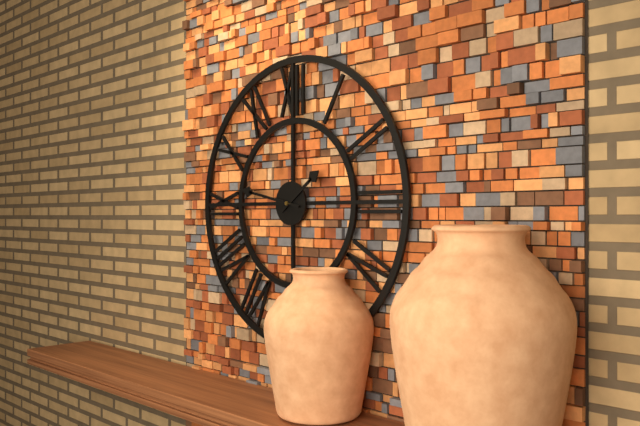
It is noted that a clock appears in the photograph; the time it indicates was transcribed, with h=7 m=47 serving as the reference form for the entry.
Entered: h=1 m=47
